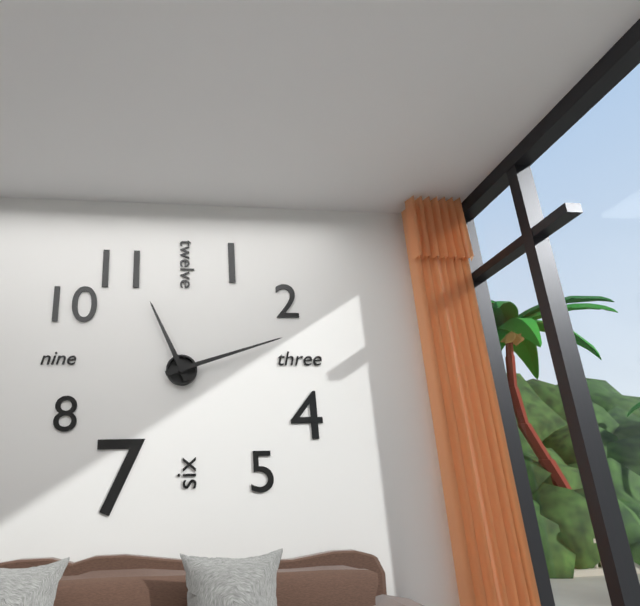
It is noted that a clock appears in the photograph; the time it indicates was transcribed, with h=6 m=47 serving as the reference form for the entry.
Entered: h=11 m=12
